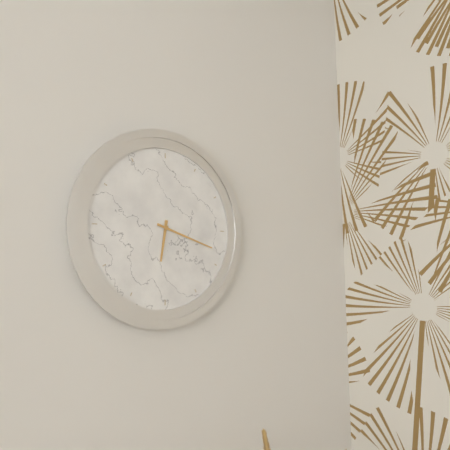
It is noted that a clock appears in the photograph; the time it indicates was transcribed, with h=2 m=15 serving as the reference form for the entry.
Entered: h=6 m=18
